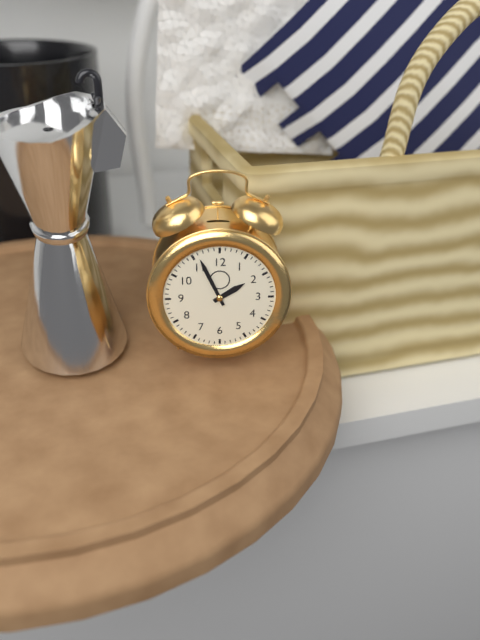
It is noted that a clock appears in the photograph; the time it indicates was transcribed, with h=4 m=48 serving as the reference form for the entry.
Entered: h=1 m=56
